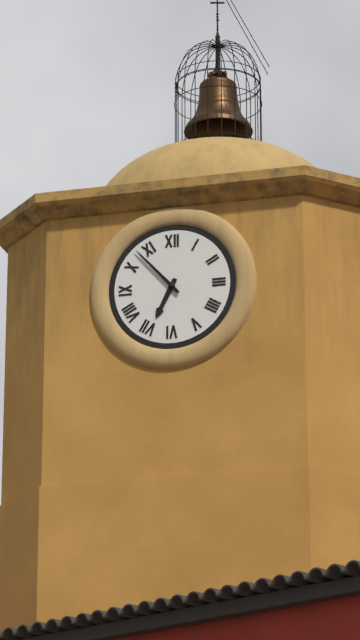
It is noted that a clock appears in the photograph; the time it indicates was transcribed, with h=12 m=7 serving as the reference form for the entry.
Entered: h=6 m=53
